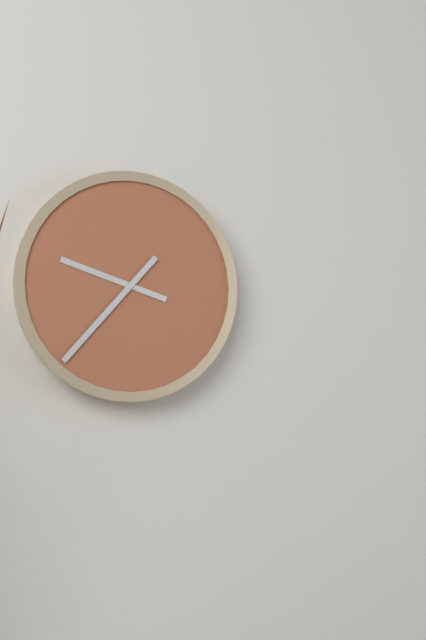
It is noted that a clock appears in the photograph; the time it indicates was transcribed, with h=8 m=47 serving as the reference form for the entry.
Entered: h=9 m=37
